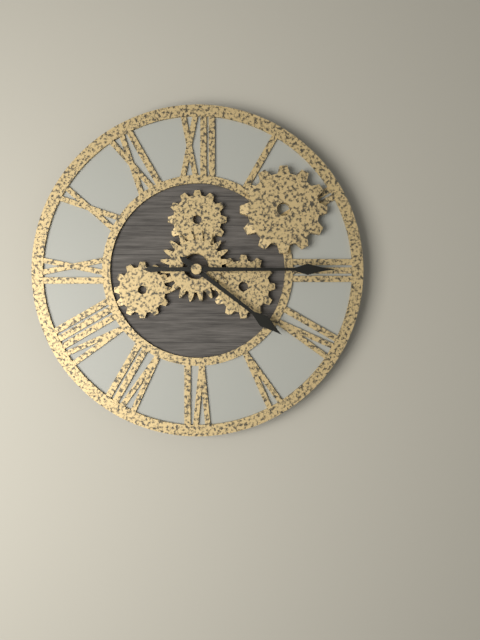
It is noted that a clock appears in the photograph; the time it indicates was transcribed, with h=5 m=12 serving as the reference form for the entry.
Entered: h=4 m=15
